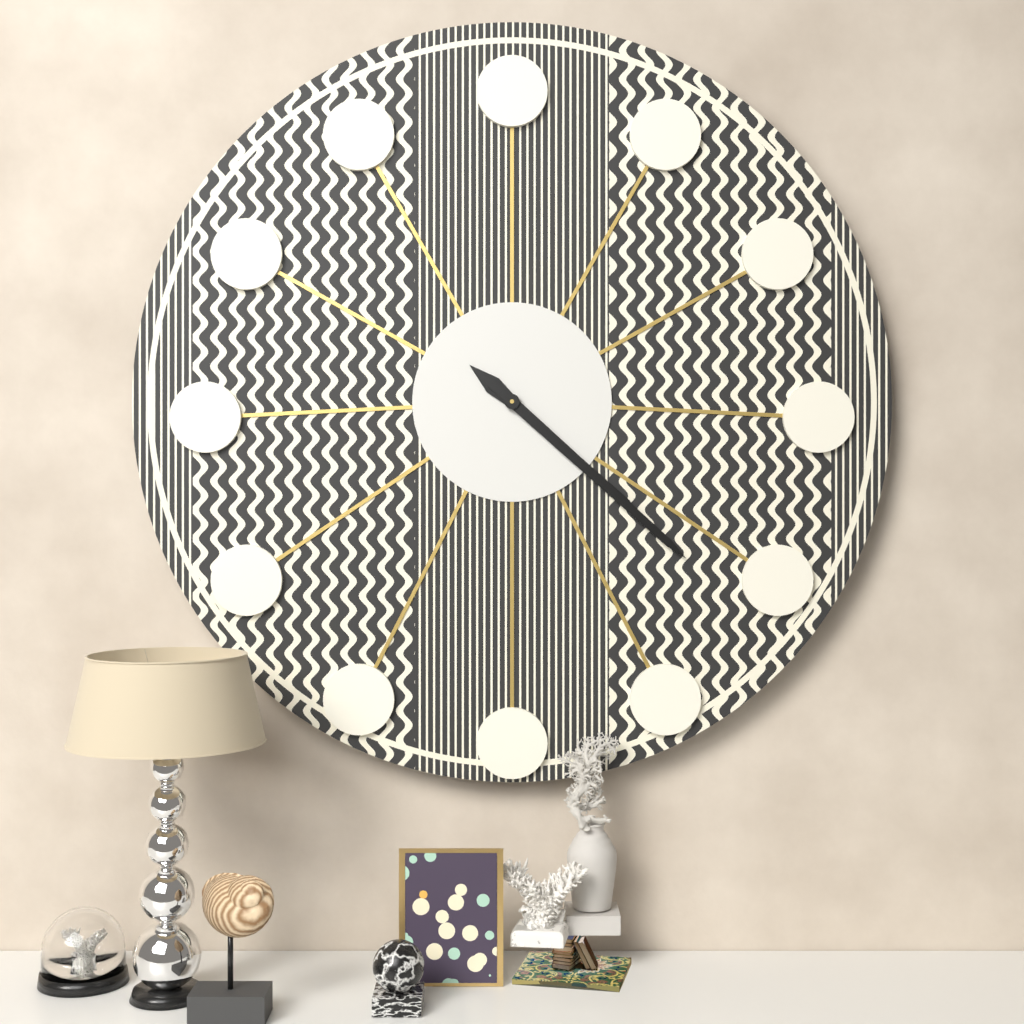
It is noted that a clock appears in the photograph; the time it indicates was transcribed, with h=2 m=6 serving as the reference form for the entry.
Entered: h=4 m=22
